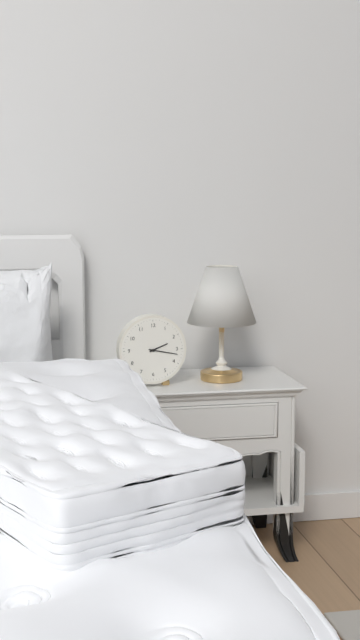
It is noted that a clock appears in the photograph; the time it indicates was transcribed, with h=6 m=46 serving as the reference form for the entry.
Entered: h=2 m=17
